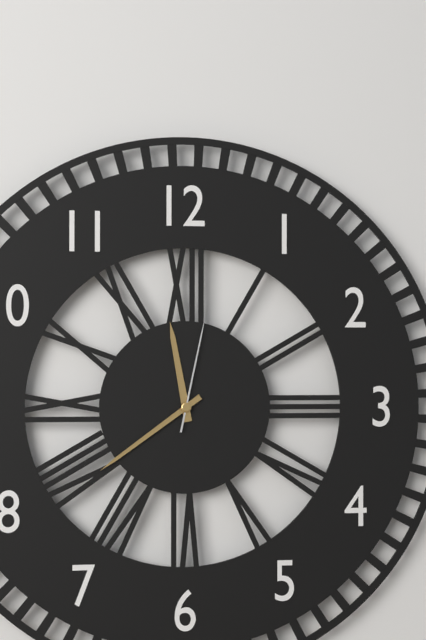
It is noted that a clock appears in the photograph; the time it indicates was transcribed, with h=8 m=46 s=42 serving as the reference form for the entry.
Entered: h=11 m=39 s=2
